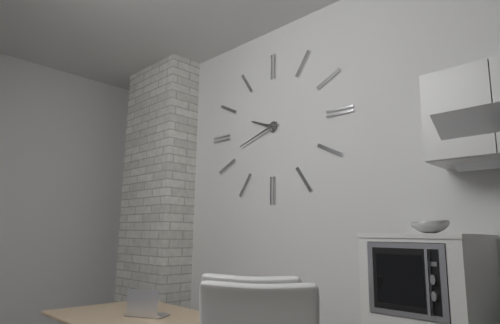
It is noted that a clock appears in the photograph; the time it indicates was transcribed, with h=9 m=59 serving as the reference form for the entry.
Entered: h=9 m=42
